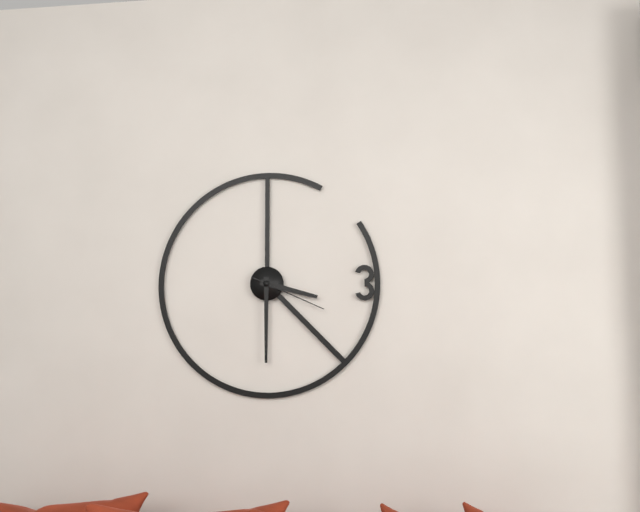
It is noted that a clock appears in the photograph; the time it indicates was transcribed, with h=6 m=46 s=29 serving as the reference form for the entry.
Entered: h=3 m=30 s=19
